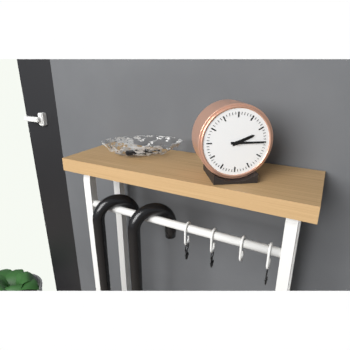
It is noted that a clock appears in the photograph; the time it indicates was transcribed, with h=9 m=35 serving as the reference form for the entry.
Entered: h=2 m=15
